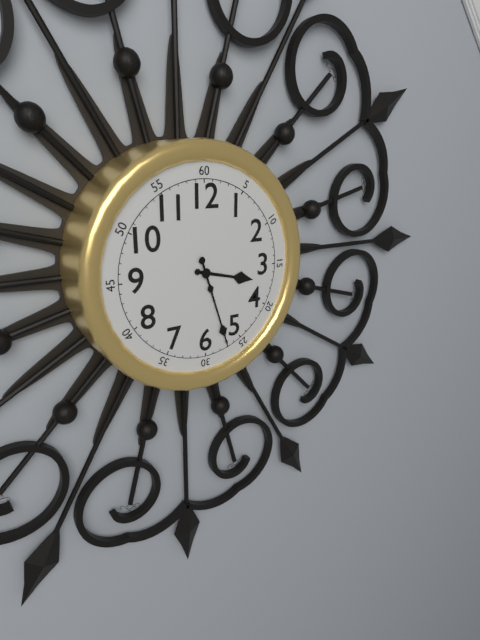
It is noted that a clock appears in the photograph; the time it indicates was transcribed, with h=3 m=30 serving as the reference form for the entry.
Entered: h=3 m=27
